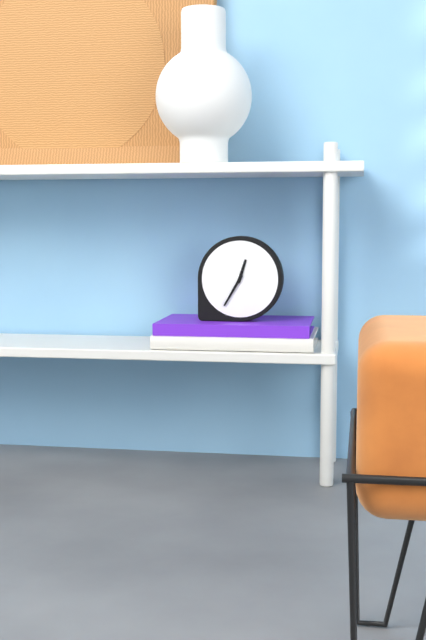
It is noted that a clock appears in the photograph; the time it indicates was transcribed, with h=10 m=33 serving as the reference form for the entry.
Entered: h=12 m=35
